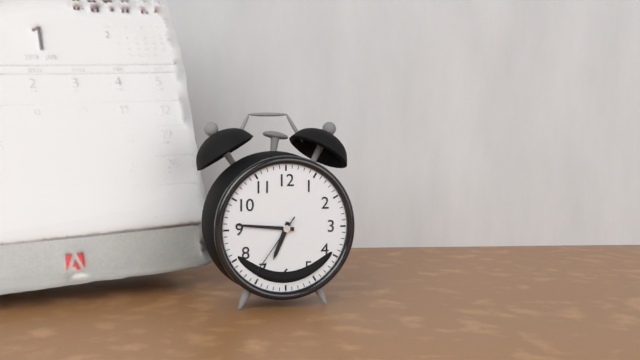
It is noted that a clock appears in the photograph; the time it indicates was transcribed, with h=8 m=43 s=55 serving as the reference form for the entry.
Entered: h=6 m=46 s=36
